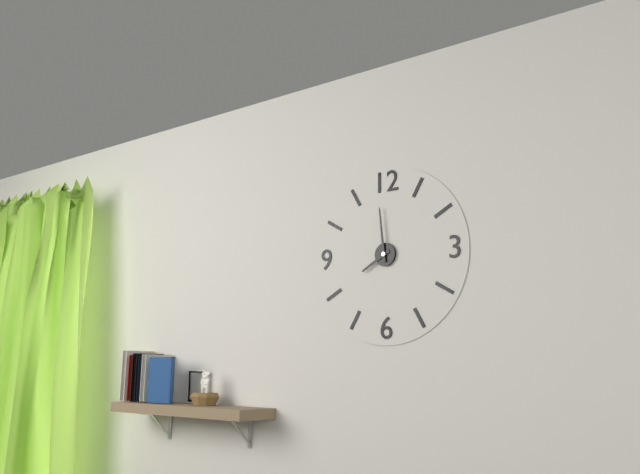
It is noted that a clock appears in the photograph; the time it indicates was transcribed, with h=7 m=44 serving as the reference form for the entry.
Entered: h=7 m=59
